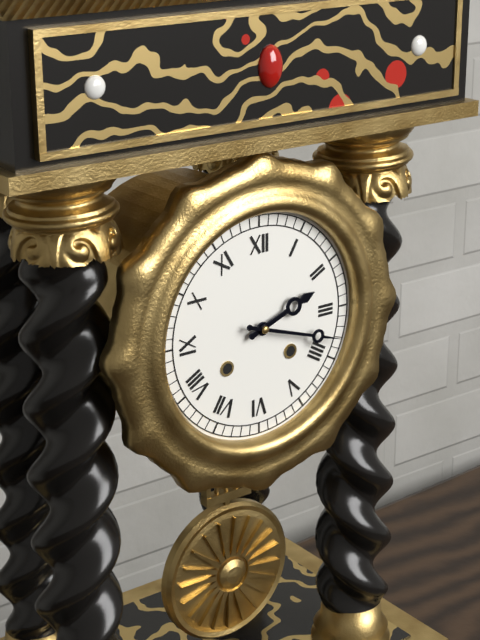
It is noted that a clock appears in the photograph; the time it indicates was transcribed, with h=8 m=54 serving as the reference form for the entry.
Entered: h=2 m=18
